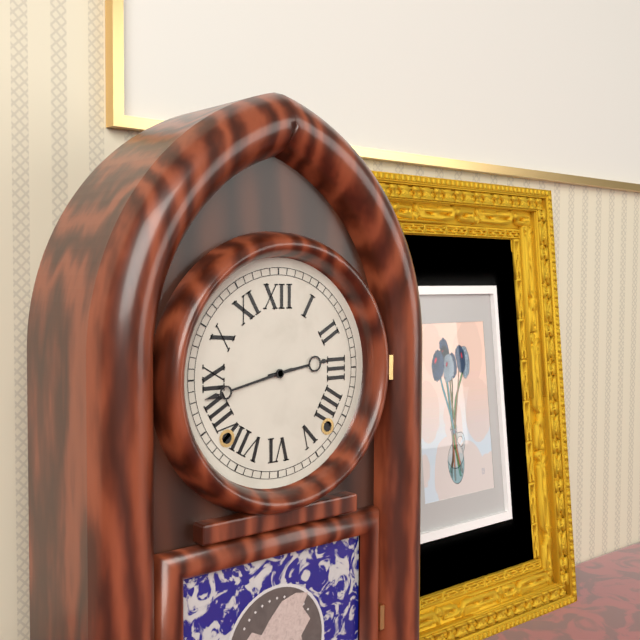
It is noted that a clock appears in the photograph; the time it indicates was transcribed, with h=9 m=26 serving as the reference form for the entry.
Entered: h=2 m=43
